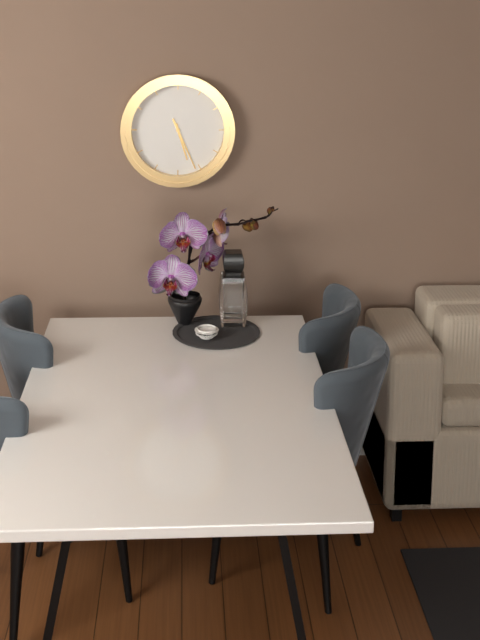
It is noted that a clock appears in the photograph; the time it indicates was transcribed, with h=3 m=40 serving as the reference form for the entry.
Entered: h=5 m=26
